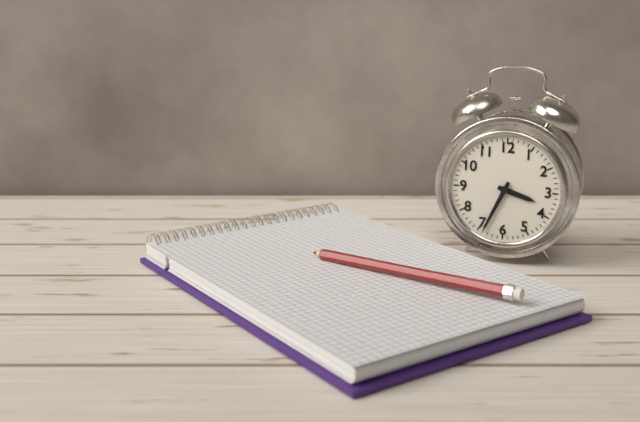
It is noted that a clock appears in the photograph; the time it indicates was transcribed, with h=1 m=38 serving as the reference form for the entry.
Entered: h=3 m=34
